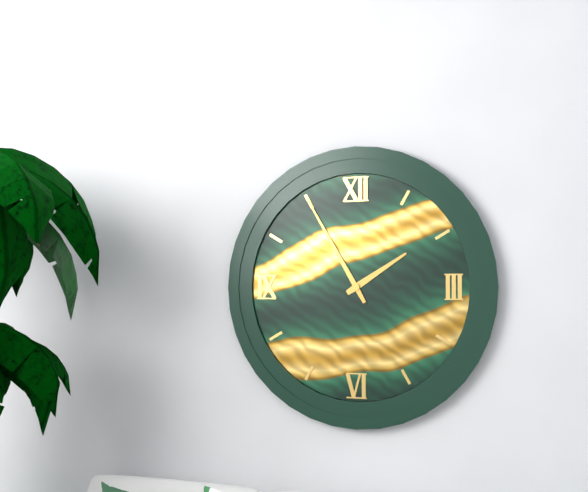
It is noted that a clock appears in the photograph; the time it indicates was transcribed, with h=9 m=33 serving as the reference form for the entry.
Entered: h=1 m=55
